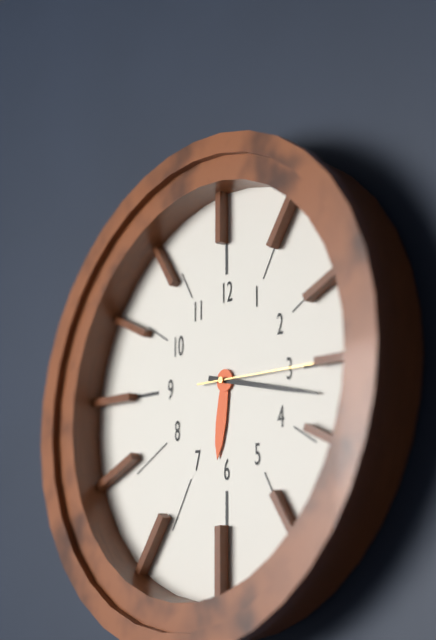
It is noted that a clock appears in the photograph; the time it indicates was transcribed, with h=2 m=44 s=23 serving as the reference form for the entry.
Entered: h=6 m=17 s=15
